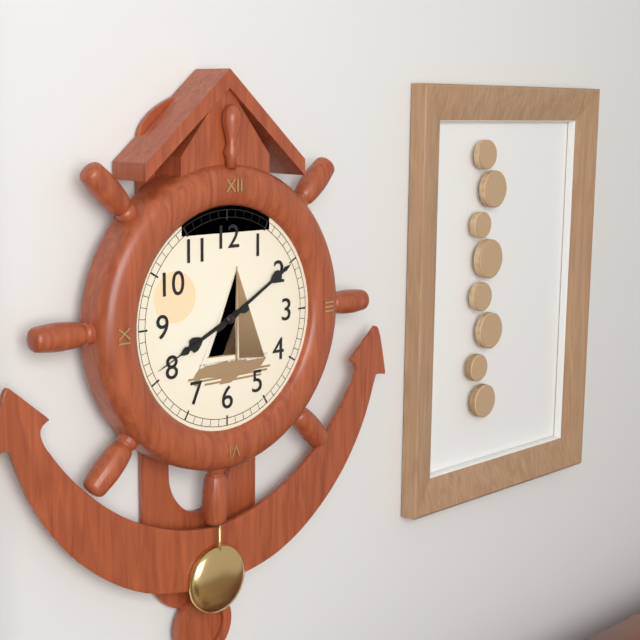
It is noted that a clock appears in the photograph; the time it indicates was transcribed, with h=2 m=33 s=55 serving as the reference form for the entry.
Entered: h=8 m=10 s=41
